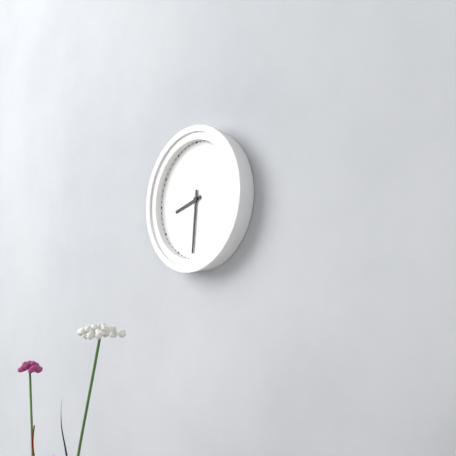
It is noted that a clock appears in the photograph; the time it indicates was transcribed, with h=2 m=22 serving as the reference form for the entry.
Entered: h=8 m=31
